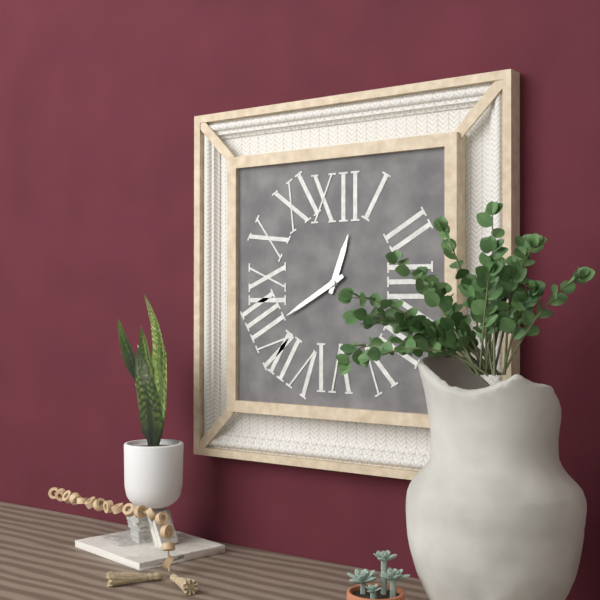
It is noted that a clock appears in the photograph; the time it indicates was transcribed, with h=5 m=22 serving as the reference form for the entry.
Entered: h=12 m=40
